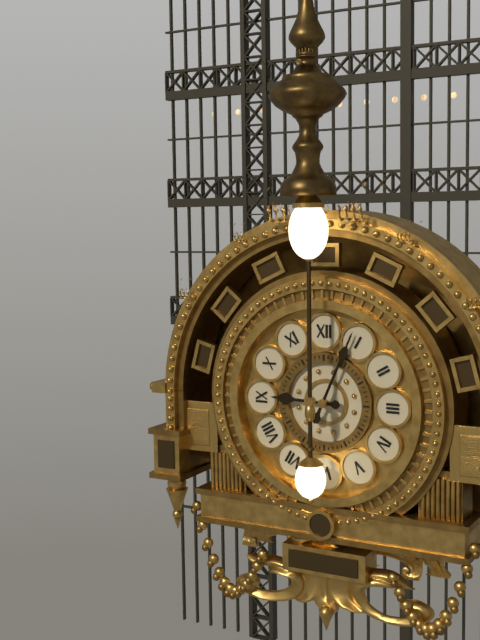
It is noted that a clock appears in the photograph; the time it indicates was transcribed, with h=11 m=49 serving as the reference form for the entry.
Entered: h=9 m=4
